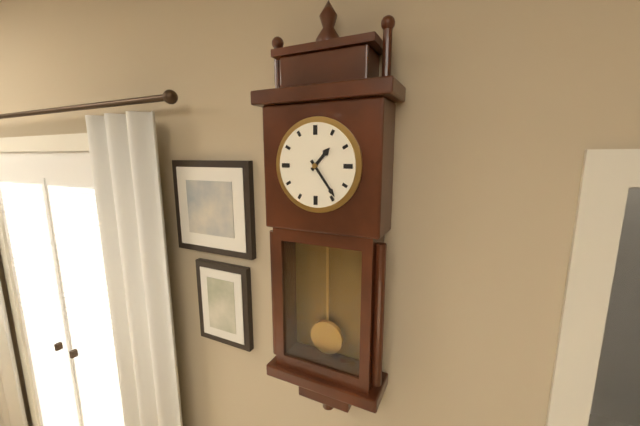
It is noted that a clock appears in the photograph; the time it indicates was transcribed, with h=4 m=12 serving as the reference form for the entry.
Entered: h=1 m=24
